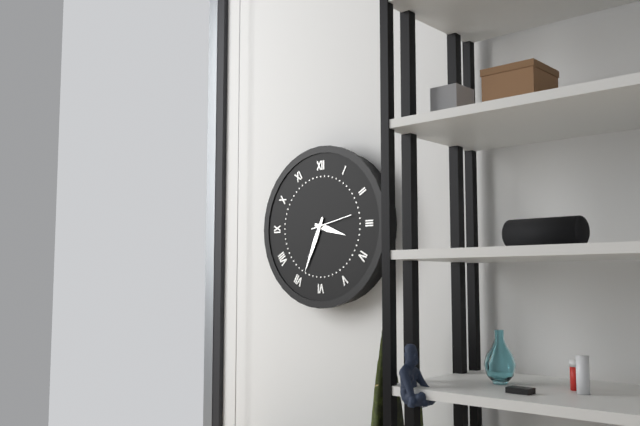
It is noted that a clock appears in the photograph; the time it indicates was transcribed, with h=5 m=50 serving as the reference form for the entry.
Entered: h=3 m=34
